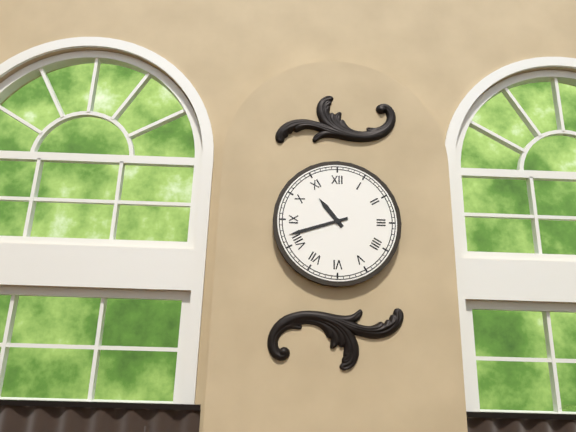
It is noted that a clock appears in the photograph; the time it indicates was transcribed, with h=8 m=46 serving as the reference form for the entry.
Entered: h=10 m=42
